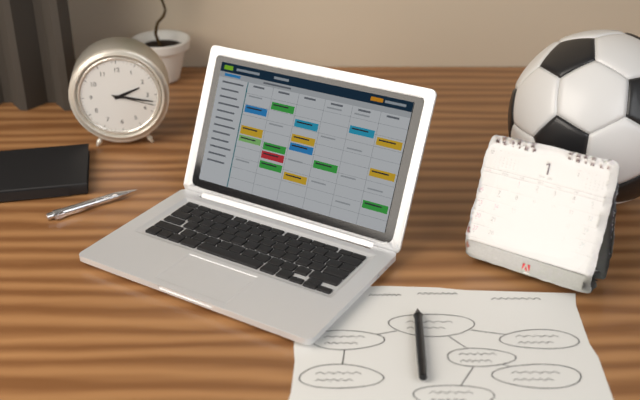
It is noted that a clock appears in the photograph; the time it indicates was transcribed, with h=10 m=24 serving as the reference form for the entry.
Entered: h=2 m=17
